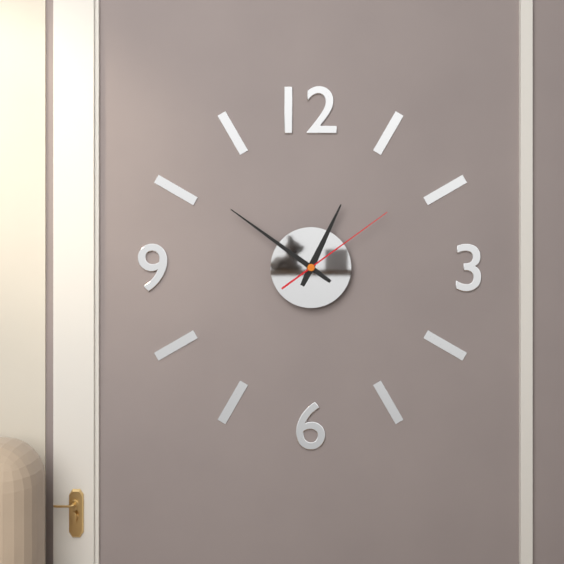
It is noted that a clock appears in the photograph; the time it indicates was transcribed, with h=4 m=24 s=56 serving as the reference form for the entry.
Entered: h=12 m=51 s=9
